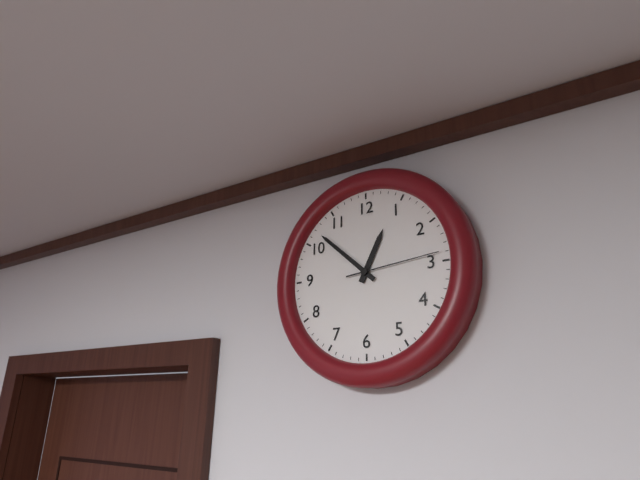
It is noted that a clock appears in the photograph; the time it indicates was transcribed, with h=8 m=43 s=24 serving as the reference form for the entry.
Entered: h=12 m=52 s=14
